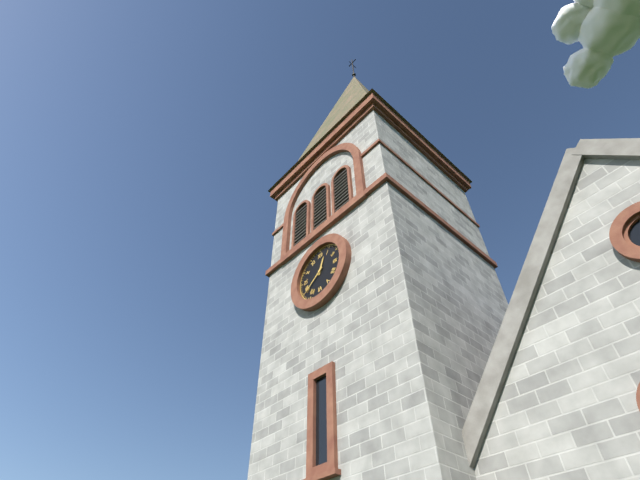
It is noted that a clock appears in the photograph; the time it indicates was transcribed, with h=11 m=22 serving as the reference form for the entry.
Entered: h=12 m=39
